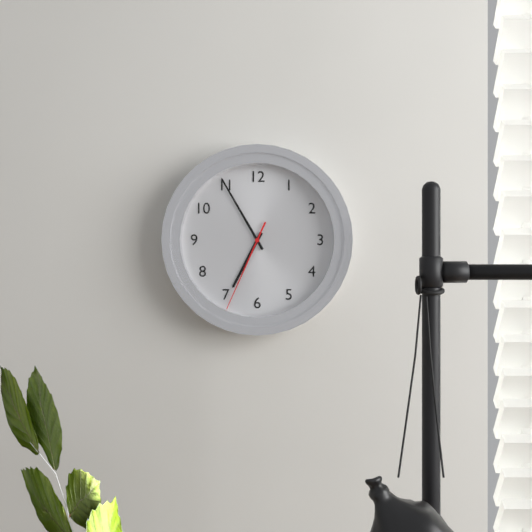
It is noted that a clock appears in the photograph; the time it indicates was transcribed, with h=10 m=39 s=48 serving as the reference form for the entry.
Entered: h=6 m=55 s=34
